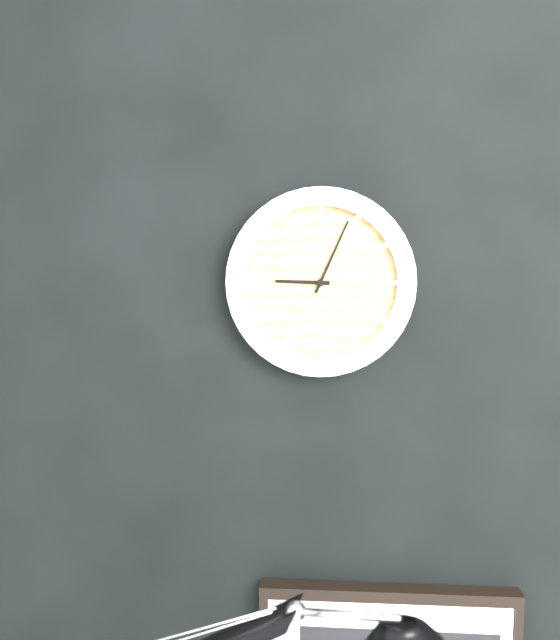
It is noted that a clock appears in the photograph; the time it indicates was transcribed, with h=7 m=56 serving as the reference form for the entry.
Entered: h=9 m=4
